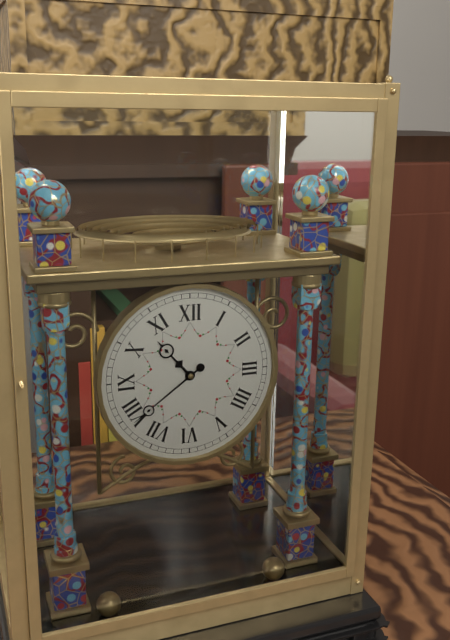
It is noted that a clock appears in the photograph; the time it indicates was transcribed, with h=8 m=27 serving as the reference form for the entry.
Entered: h=10 m=39
